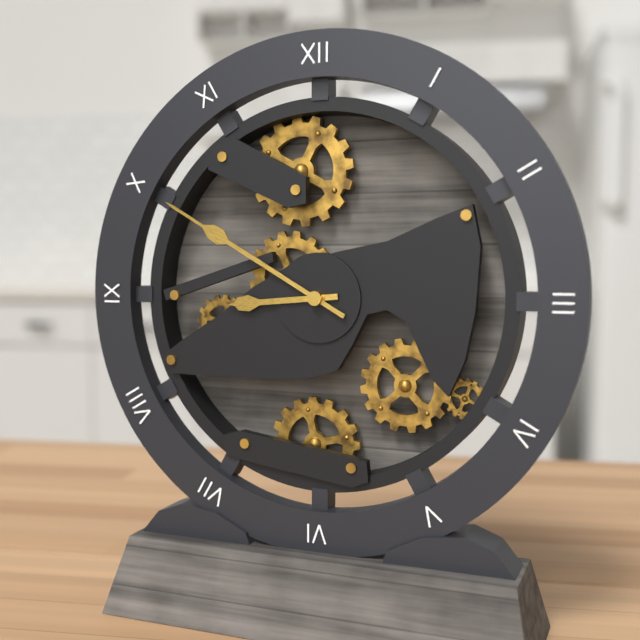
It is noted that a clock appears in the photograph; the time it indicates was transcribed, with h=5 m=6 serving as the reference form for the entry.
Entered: h=8 m=50
